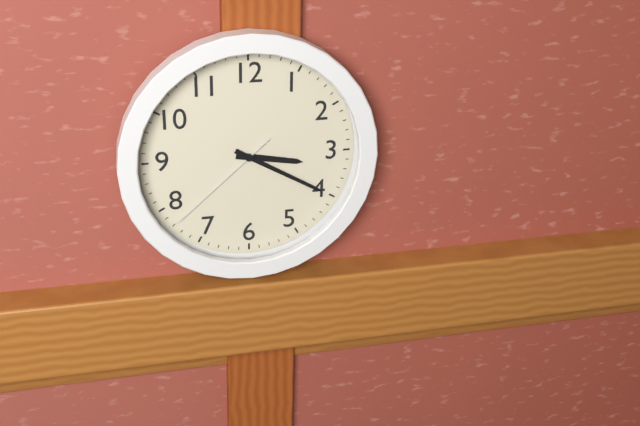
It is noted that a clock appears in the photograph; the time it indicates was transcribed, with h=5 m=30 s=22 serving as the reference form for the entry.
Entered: h=3 m=20 s=38
